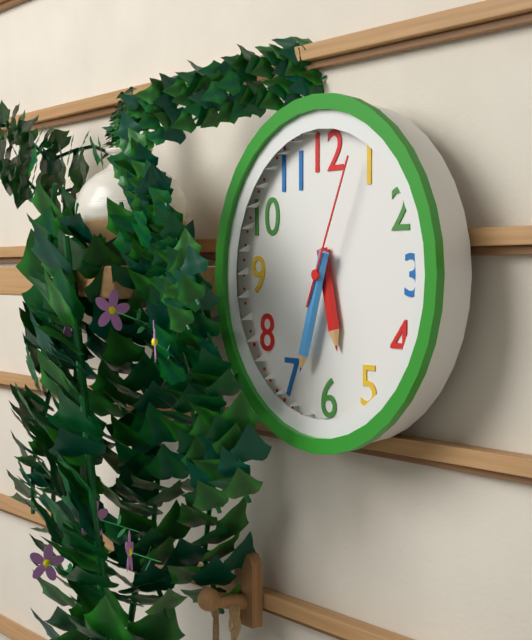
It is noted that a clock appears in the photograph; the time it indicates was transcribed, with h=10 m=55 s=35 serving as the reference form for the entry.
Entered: h=5 m=33 s=4
